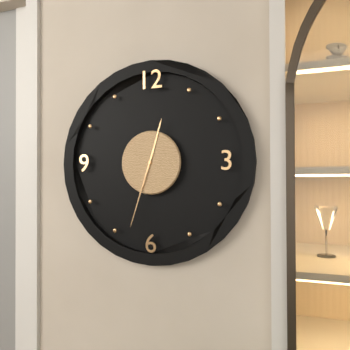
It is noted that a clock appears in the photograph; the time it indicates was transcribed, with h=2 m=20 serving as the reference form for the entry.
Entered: h=12 m=33
